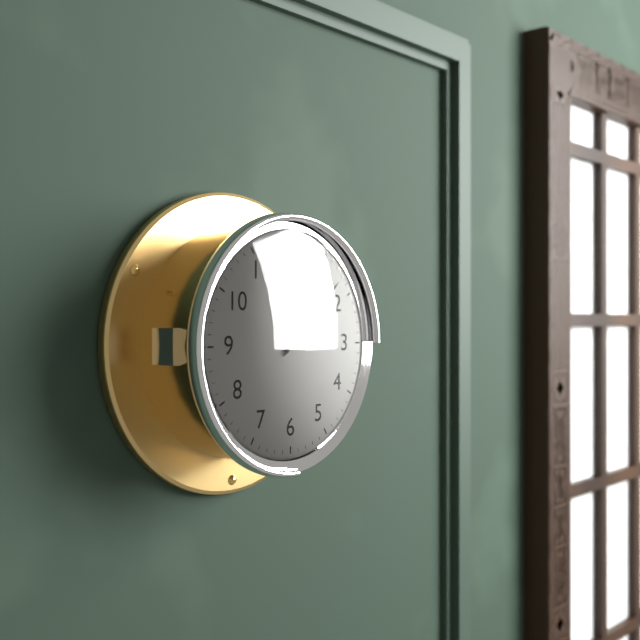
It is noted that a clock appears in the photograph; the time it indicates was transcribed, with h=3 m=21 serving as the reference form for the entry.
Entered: h=2 m=8
